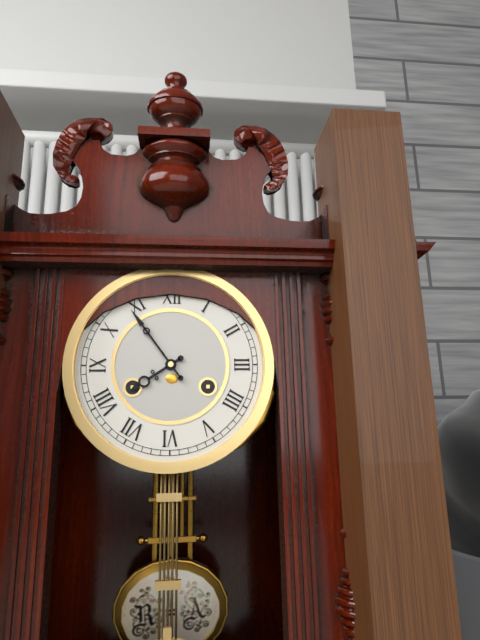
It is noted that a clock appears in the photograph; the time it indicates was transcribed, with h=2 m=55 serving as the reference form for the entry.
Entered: h=7 m=54
